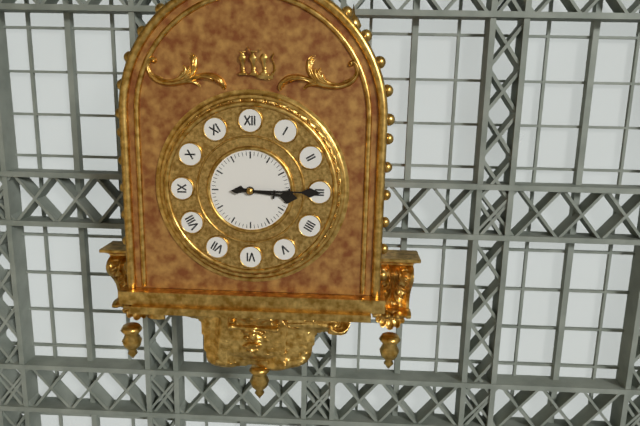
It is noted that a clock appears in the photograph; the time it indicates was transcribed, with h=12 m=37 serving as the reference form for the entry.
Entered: h=3 m=15
